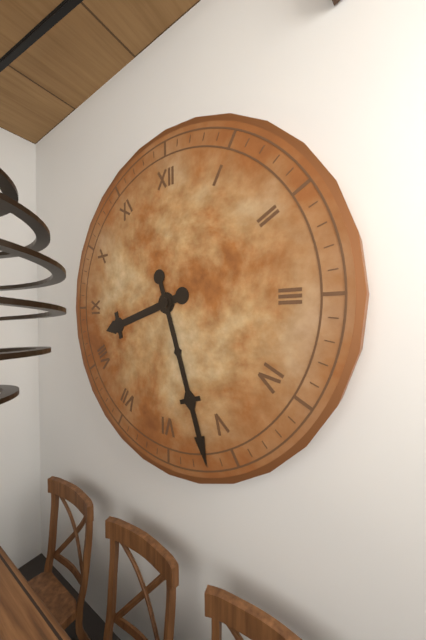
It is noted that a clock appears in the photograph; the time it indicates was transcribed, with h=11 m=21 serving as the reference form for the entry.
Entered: h=8 m=27
